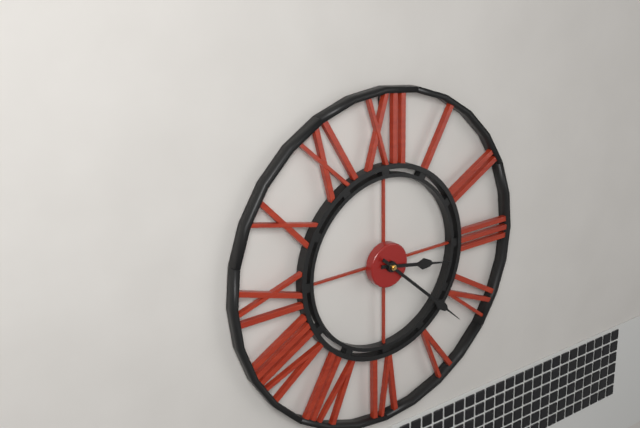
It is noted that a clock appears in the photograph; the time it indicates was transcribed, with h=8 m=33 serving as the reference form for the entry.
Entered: h=3 m=22
